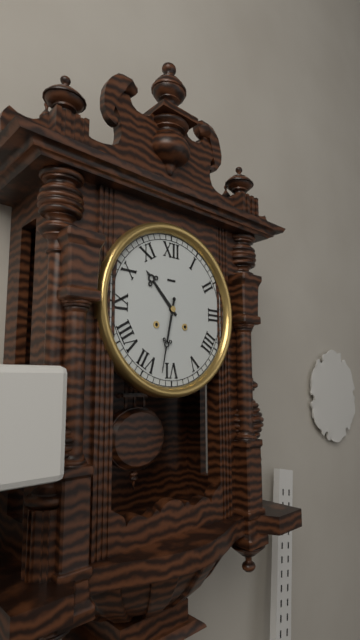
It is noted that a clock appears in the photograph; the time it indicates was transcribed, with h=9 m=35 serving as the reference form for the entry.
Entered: h=10 m=32
